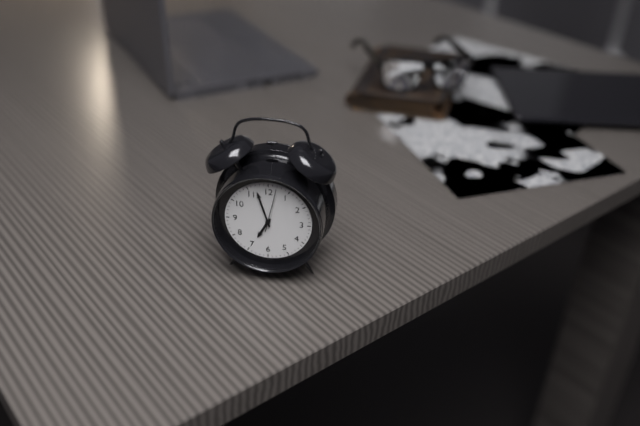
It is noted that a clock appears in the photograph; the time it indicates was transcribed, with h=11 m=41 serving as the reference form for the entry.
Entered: h=6 m=57
